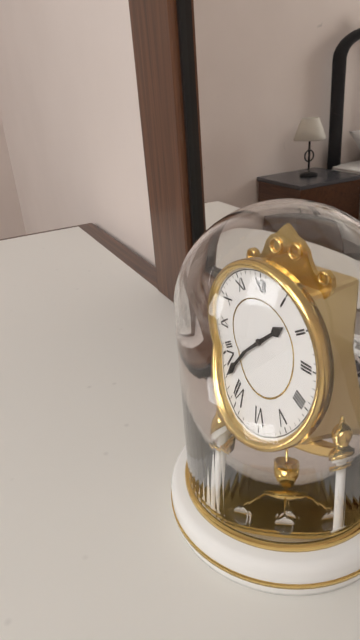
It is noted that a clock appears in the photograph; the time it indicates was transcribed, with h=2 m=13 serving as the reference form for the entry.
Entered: h=1 m=38
